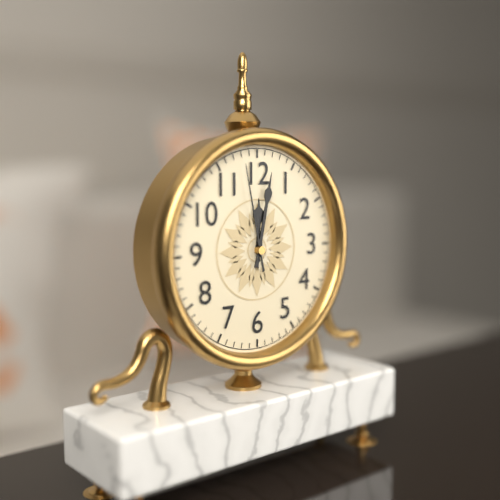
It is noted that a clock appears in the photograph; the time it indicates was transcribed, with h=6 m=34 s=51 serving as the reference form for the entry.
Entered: h=12 m=2 s=58
